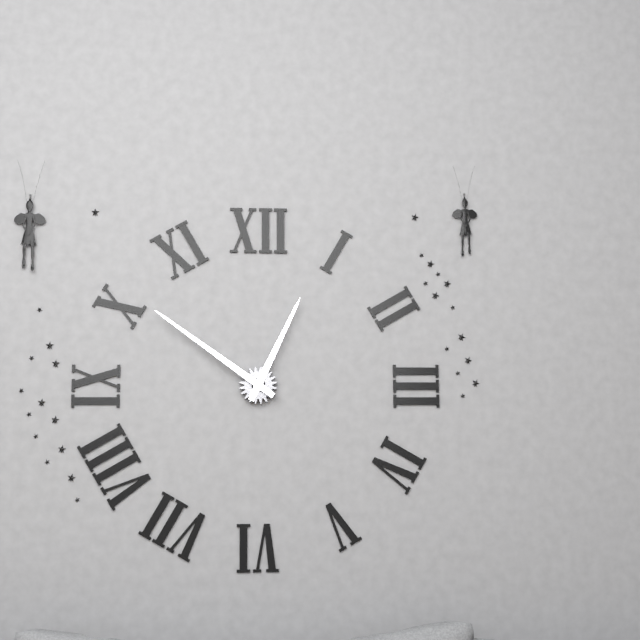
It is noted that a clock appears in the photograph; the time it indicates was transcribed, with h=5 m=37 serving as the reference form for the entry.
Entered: h=12 m=51
